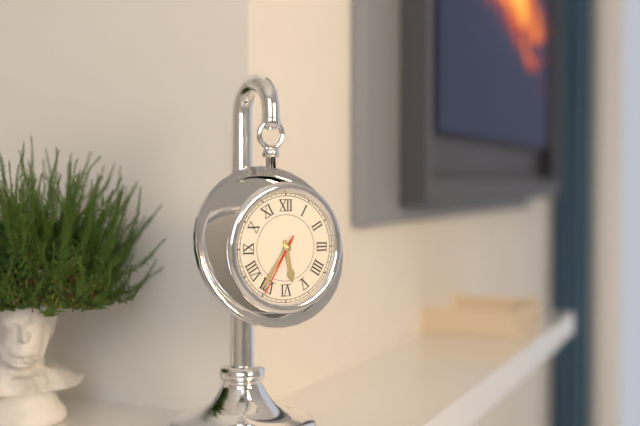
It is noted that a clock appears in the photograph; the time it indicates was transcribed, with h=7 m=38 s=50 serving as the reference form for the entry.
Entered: h=5 m=36 s=35
